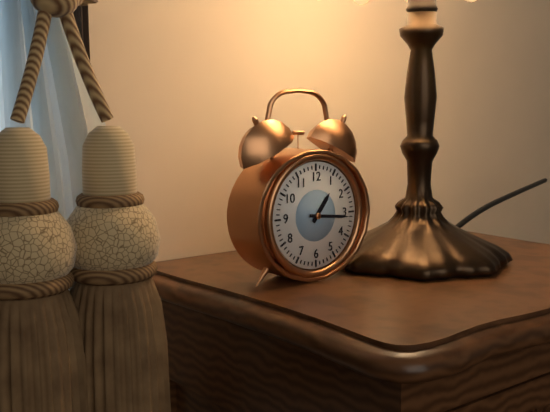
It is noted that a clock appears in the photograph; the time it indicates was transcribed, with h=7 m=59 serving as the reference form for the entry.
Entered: h=1 m=16
